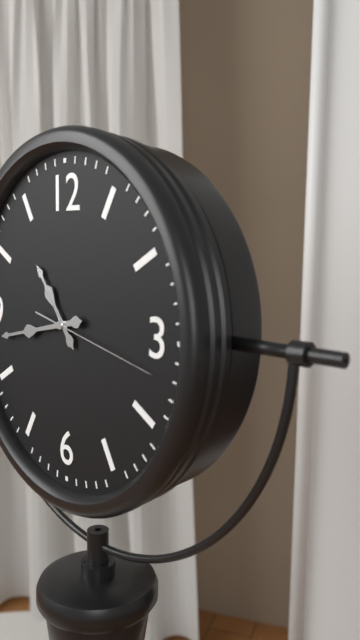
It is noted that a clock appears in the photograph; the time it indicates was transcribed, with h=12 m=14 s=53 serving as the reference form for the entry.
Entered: h=10 m=43 s=17
